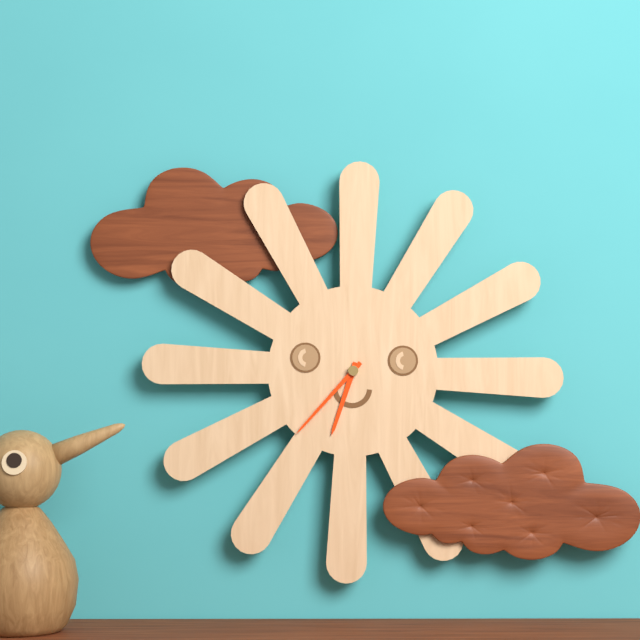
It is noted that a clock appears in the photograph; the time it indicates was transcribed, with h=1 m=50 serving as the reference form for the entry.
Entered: h=6 m=37
